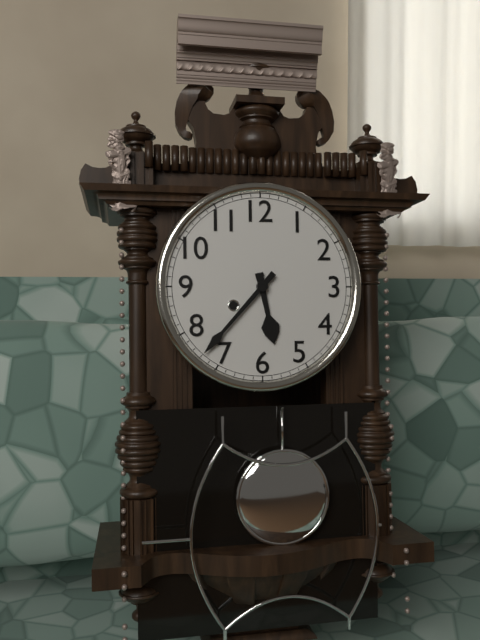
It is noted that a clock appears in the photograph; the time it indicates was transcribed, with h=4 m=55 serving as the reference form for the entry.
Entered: h=5 m=37
